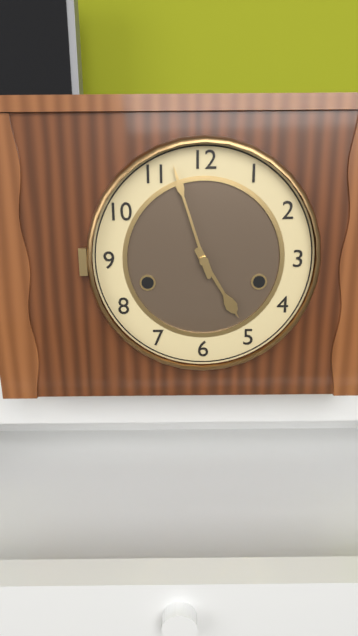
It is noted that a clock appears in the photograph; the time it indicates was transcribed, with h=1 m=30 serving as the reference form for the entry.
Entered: h=4 m=57
